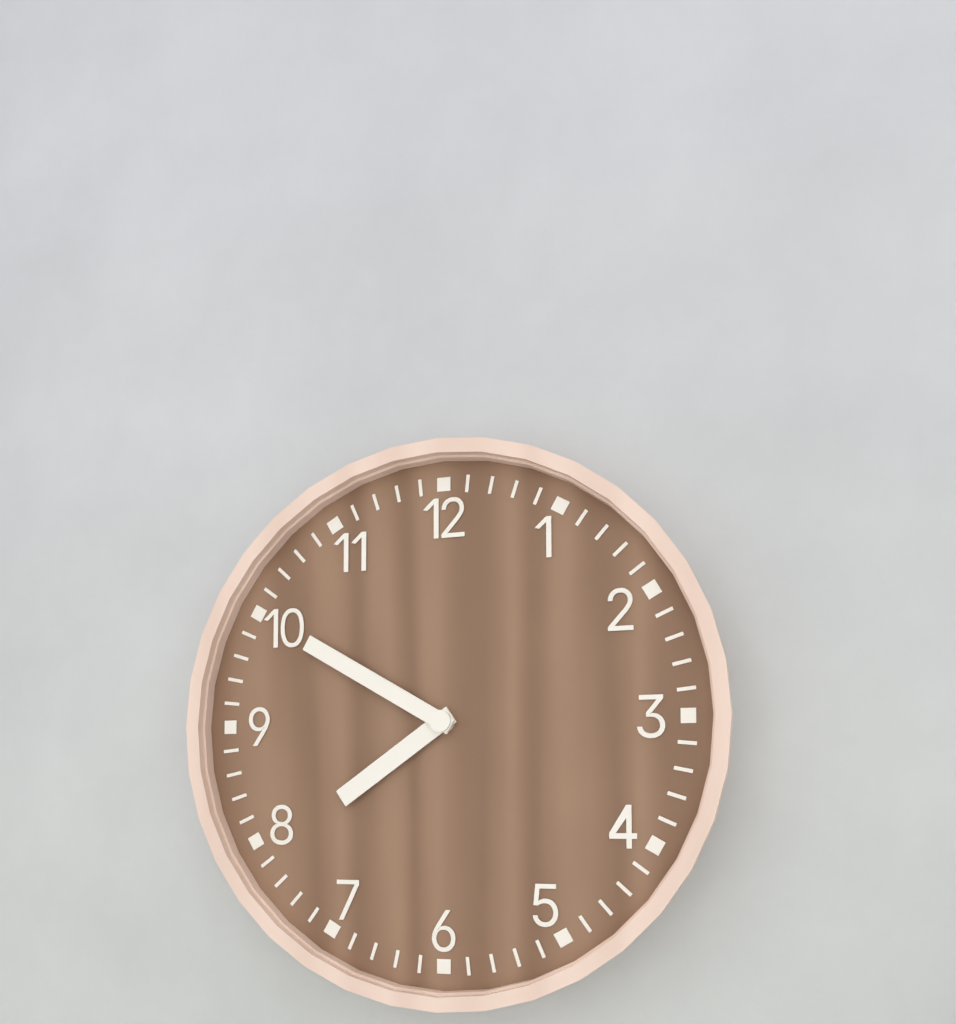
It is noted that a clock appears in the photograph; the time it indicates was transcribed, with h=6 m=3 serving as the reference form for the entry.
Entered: h=7 m=50
